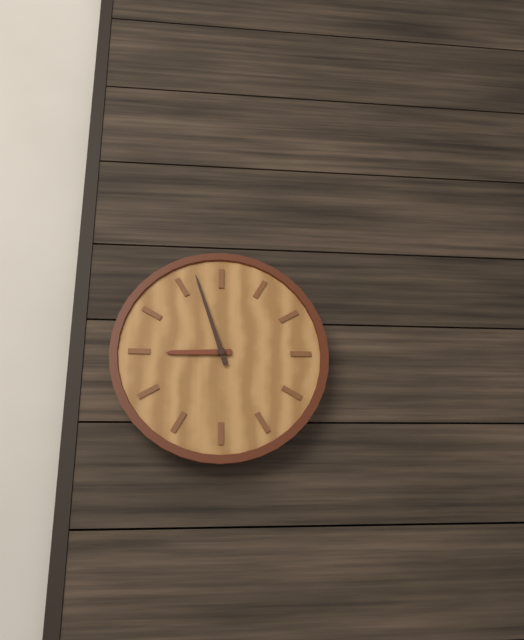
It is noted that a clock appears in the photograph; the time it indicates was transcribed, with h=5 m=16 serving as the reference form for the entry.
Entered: h=8 m=57
